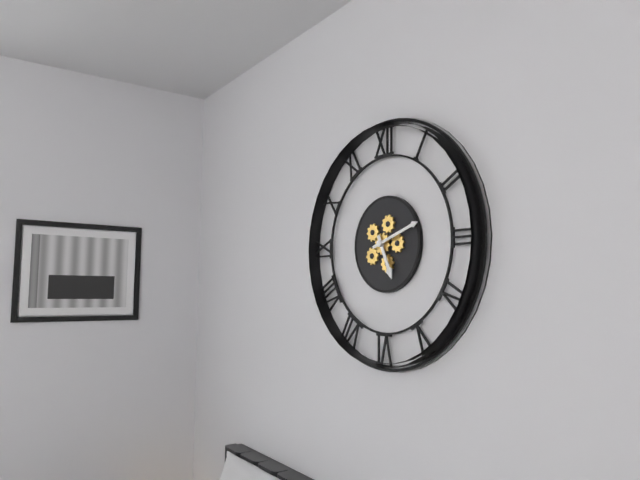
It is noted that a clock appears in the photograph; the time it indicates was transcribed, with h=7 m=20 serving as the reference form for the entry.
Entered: h=5 m=12
